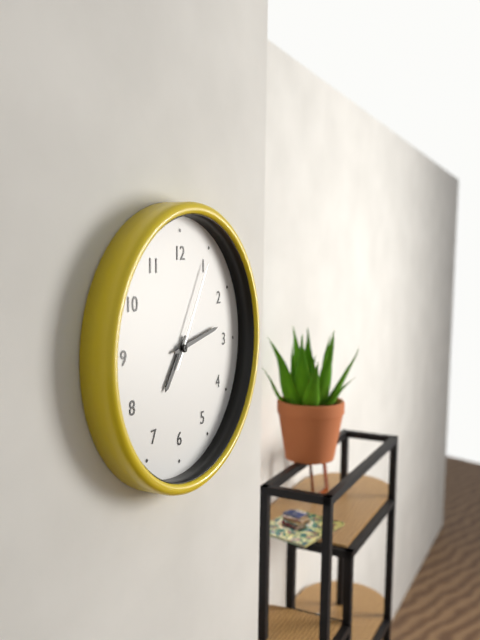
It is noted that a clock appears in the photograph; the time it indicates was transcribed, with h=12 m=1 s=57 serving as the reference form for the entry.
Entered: h=7 m=13 s=5
